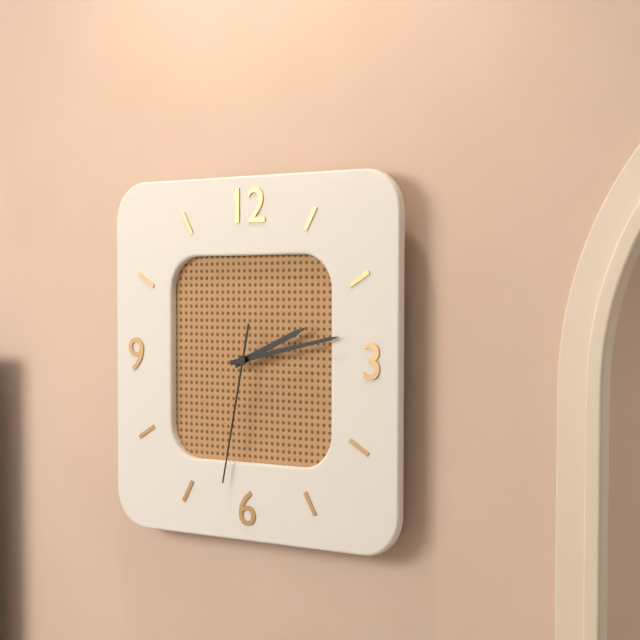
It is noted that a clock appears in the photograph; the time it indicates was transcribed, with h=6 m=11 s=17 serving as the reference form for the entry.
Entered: h=2 m=13 s=32
